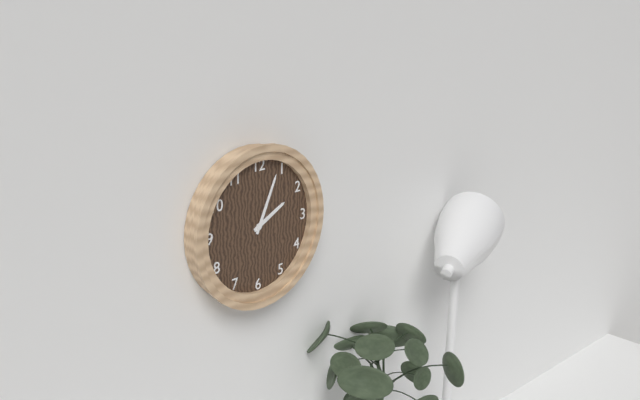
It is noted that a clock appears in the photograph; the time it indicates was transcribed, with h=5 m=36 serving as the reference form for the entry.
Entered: h=2 m=4
